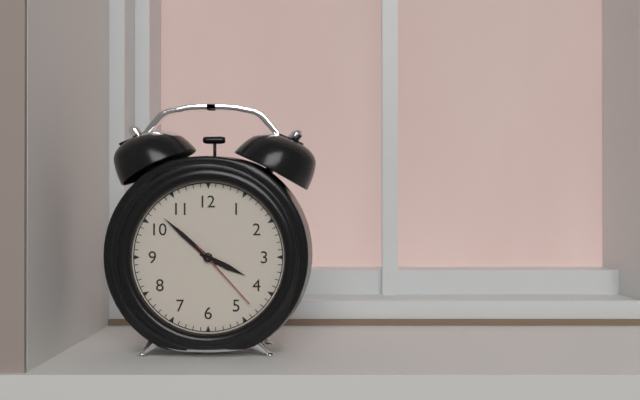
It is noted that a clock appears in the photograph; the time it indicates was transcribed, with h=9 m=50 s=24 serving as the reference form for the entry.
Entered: h=3 m=52 s=23
